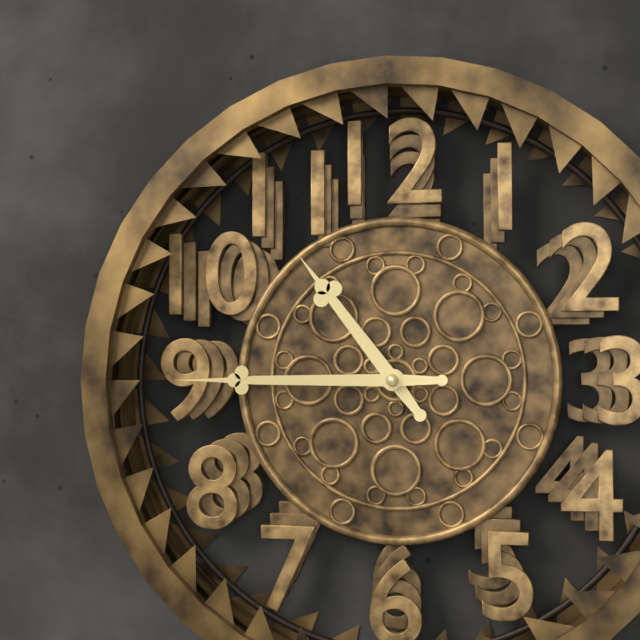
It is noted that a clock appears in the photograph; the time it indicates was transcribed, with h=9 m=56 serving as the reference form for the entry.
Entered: h=10 m=45
